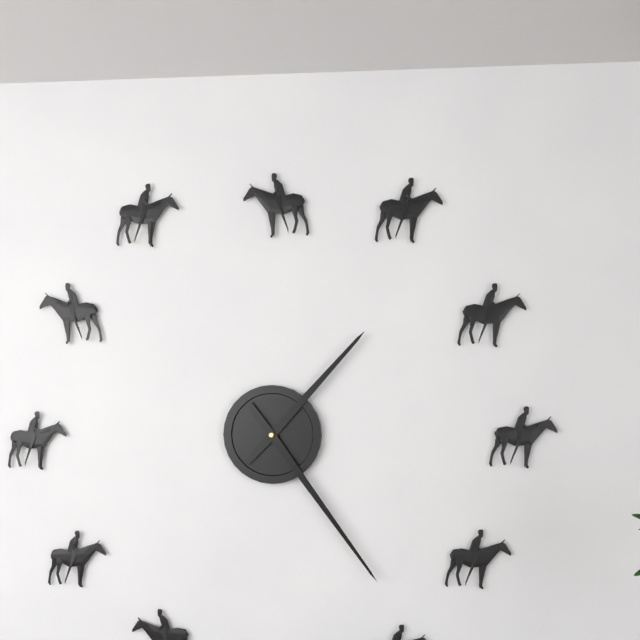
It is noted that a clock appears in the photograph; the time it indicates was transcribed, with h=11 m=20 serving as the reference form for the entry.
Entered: h=1 m=24
